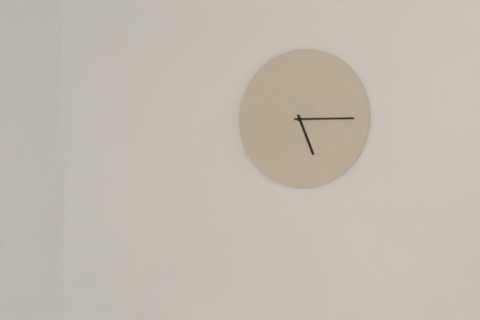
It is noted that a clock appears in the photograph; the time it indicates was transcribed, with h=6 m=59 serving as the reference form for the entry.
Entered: h=5 m=15
